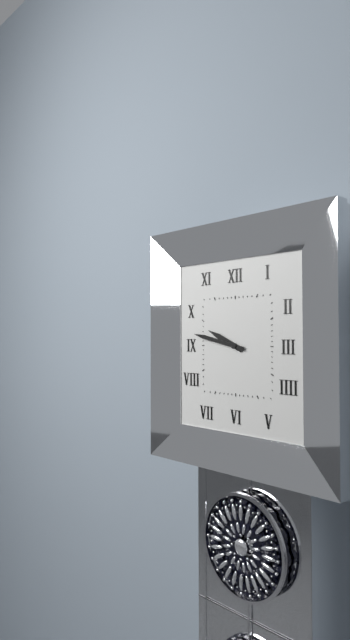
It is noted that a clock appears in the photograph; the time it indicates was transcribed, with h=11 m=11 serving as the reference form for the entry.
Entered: h=9 m=47
